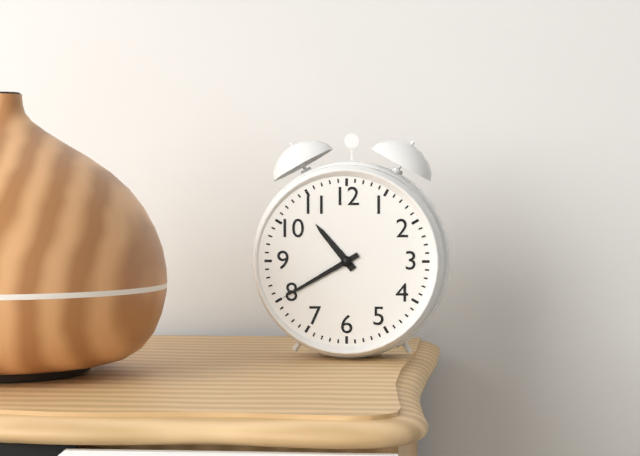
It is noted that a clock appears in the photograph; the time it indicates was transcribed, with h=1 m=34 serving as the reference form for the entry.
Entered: h=10 m=40
